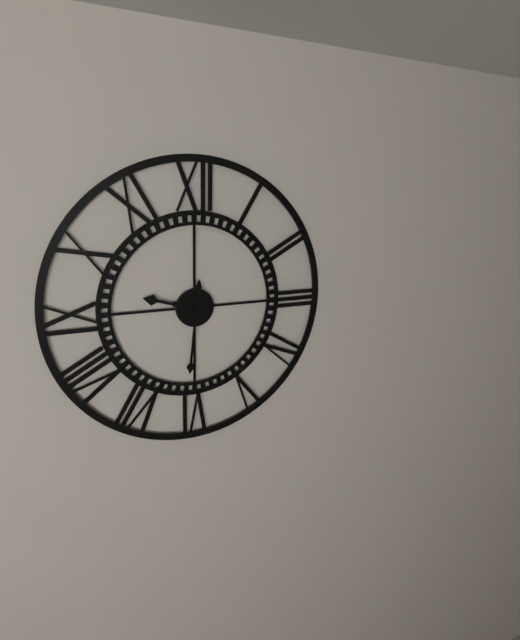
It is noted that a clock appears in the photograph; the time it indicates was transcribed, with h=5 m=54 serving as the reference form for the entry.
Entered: h=9 m=31
